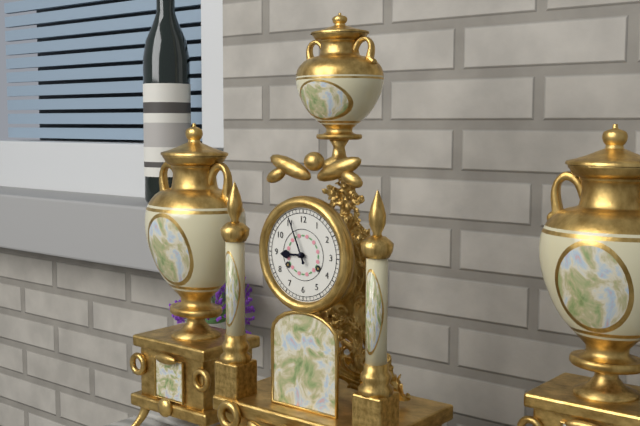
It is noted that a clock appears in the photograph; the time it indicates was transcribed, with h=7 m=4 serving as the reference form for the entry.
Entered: h=8 m=56
